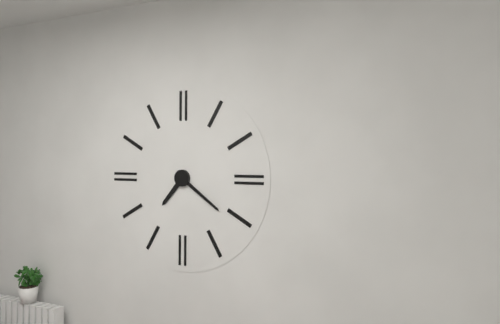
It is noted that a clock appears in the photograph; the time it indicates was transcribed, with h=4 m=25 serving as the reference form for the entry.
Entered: h=7 m=21
